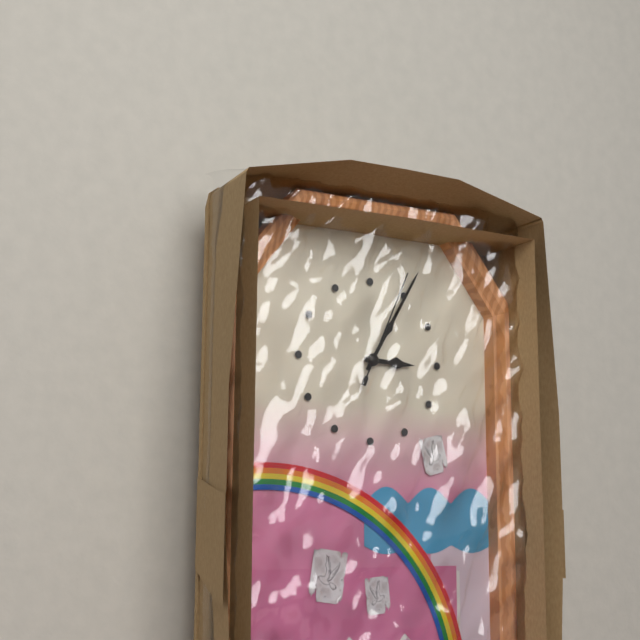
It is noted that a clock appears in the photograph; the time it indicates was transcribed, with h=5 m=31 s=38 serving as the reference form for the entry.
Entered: h=3 m=5 s=4
